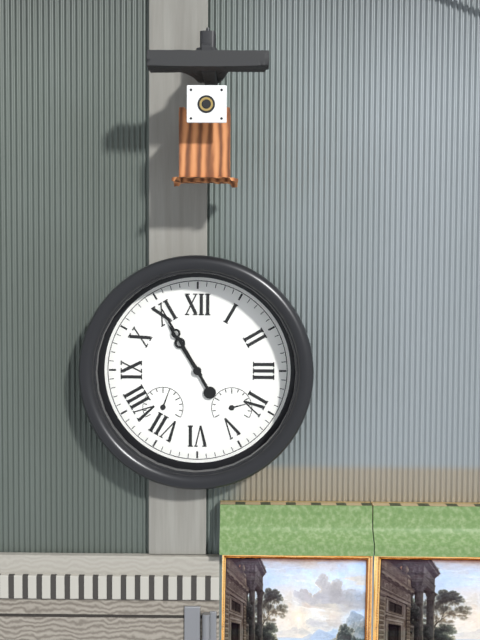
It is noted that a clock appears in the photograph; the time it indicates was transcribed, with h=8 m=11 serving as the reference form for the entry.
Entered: h=10 m=55
